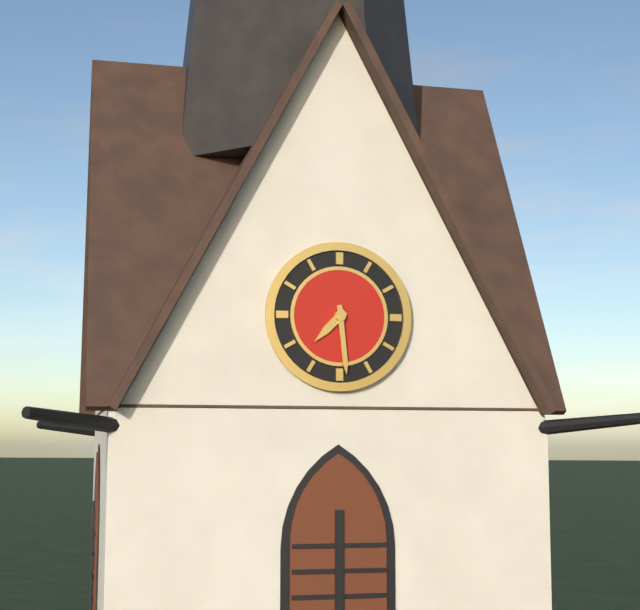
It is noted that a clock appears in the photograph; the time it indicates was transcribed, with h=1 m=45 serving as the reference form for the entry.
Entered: h=7 m=29
